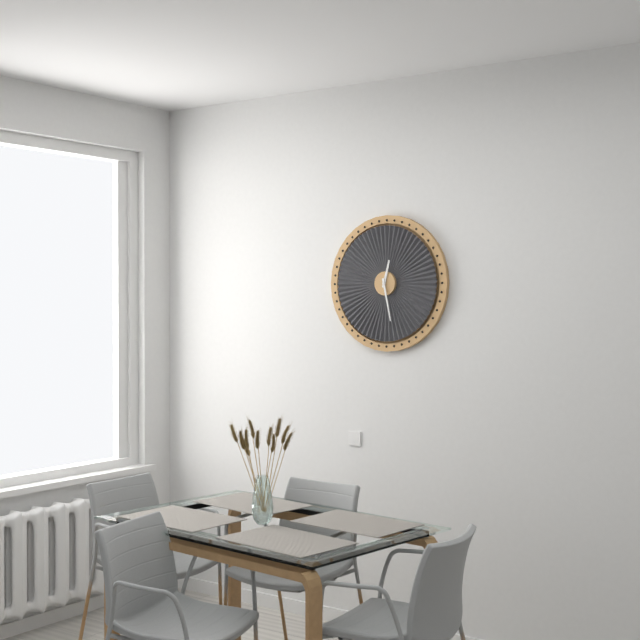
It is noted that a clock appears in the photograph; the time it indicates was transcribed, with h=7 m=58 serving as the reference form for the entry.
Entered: h=12 m=28
